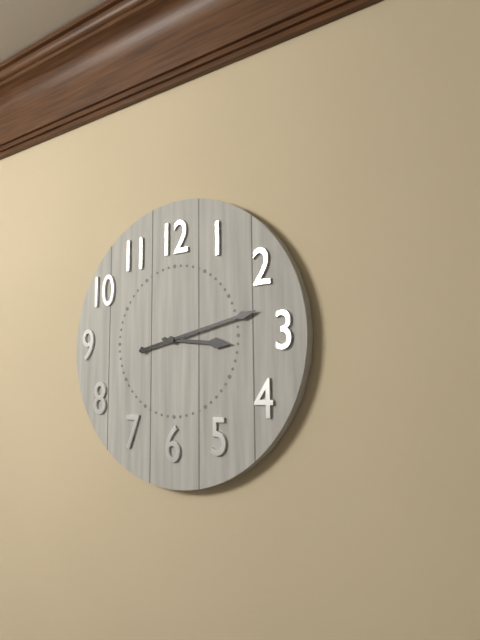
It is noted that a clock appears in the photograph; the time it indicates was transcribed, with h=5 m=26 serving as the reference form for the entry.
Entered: h=3 m=13
